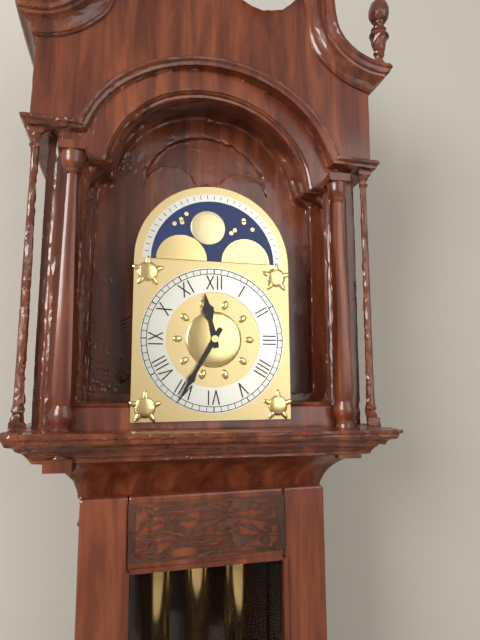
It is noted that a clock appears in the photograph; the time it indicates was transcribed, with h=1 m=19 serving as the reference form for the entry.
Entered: h=11 m=35
